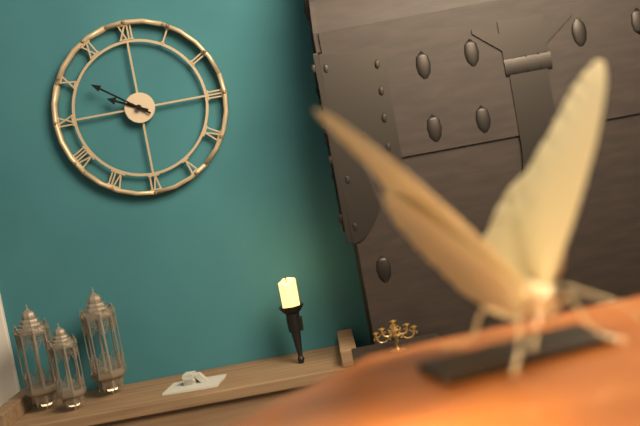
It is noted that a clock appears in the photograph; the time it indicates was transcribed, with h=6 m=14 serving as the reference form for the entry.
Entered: h=9 m=51
